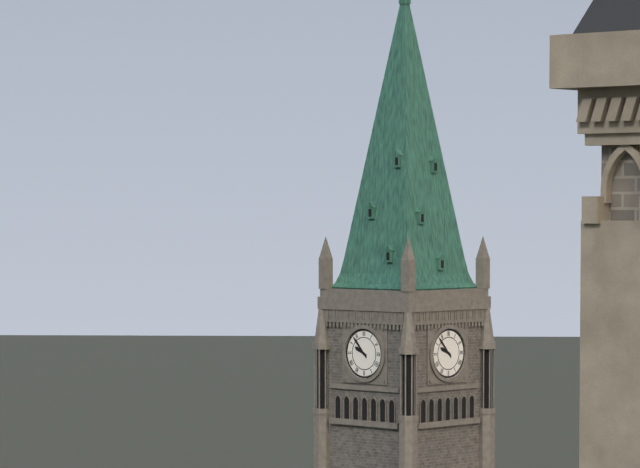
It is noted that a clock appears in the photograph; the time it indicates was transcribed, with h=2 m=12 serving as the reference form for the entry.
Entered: h=9 m=53
